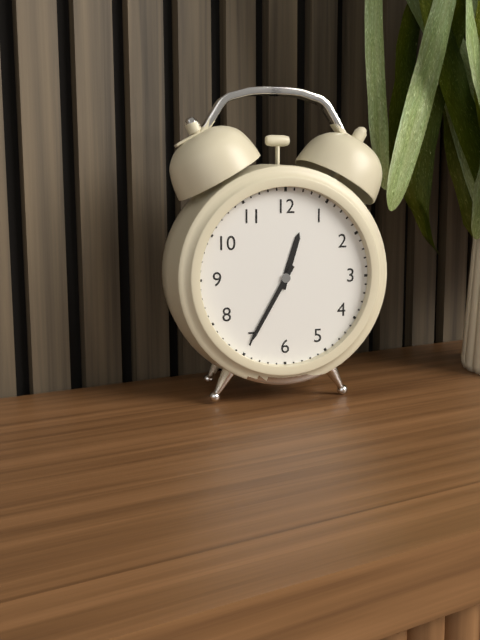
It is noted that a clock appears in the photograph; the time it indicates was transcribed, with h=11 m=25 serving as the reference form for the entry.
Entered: h=12 m=35
